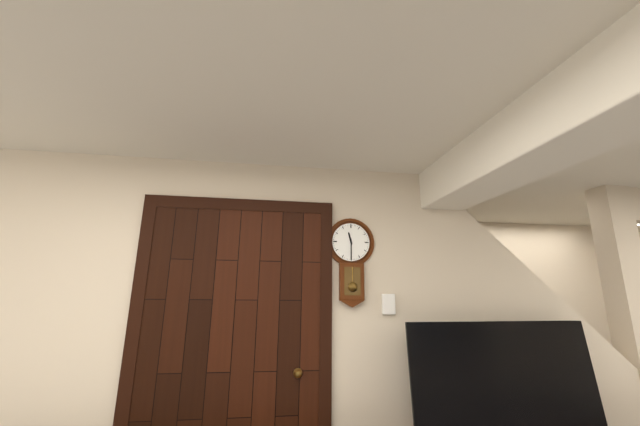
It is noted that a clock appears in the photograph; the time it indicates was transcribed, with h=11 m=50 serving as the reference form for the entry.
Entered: h=11 m=30
